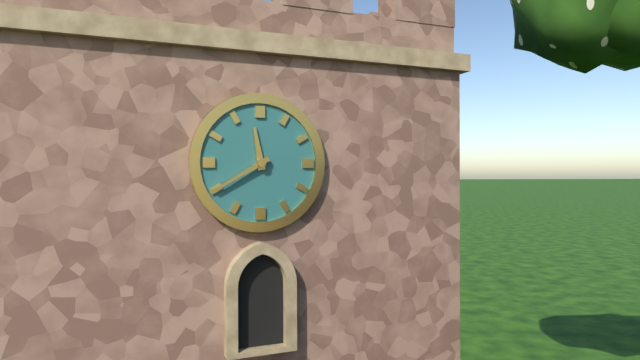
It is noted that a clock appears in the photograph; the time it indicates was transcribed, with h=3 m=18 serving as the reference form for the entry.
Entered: h=11 m=40
